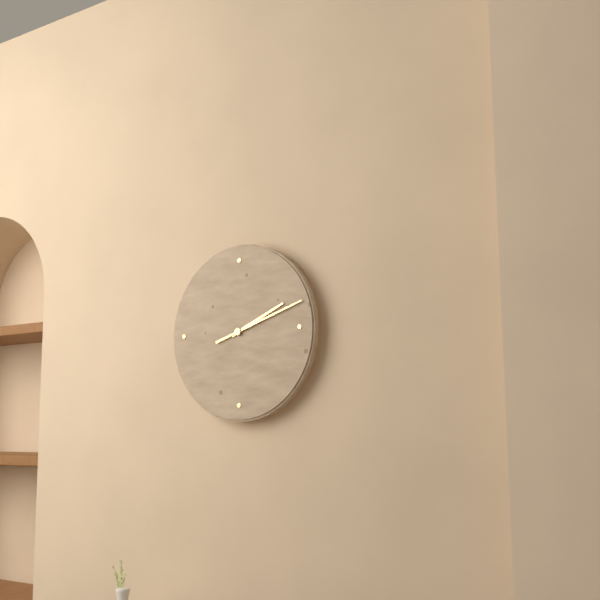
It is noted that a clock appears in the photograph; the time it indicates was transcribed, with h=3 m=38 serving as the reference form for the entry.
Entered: h=2 m=12
